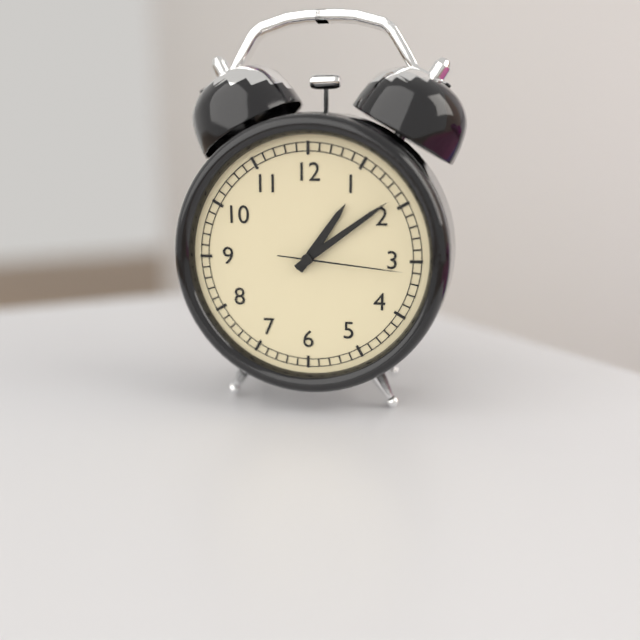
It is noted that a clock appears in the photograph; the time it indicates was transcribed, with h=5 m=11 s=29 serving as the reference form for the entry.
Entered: h=1 m=9 s=16
